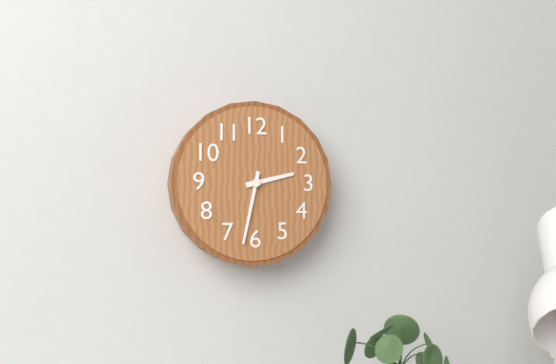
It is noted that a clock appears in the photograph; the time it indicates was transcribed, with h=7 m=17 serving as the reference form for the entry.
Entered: h=2 m=32
